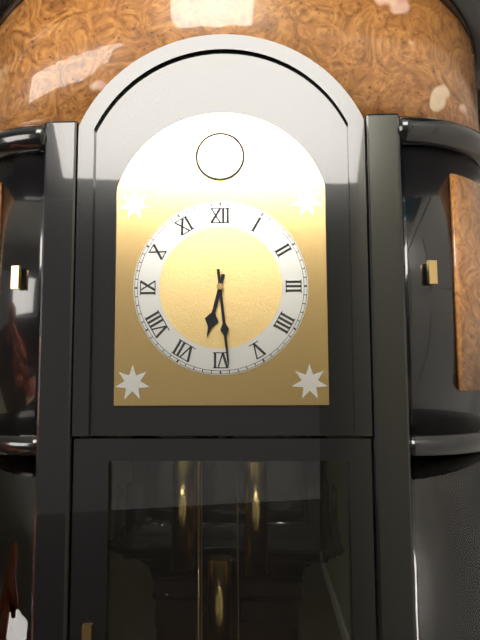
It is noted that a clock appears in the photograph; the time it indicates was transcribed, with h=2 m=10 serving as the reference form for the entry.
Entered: h=6 m=29
